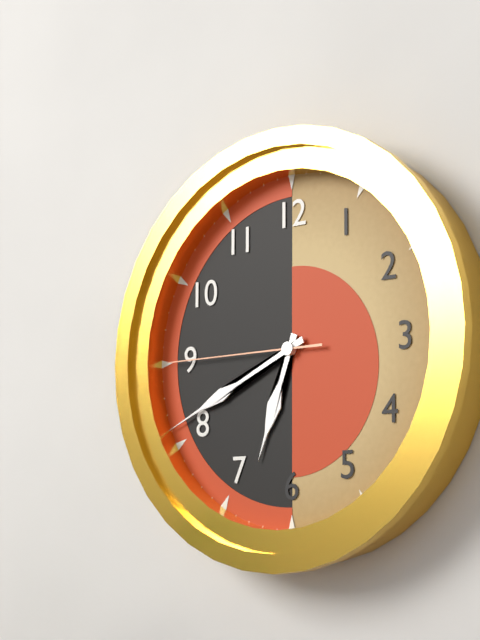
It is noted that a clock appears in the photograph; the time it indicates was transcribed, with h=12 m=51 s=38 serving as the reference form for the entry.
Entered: h=6 m=41 s=45
